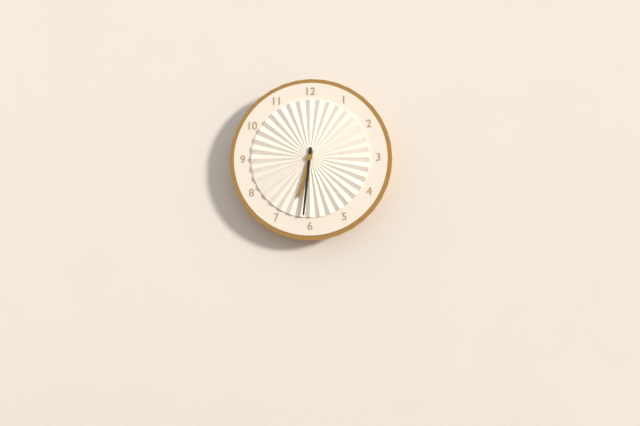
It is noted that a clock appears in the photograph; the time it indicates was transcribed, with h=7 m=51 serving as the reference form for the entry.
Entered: h=6 m=31
